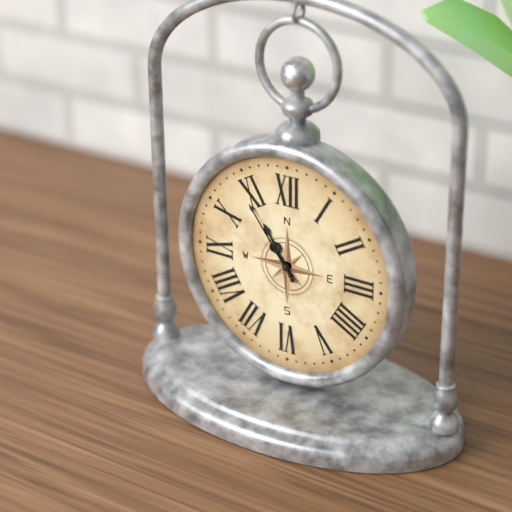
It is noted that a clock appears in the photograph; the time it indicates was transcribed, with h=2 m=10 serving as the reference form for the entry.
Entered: h=10 m=54
